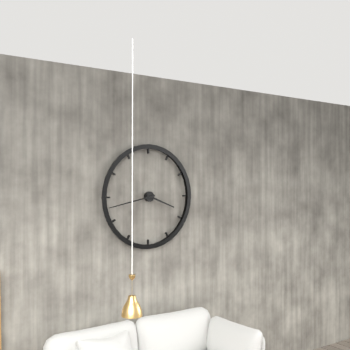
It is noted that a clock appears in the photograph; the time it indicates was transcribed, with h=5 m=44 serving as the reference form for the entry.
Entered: h=3 m=43
